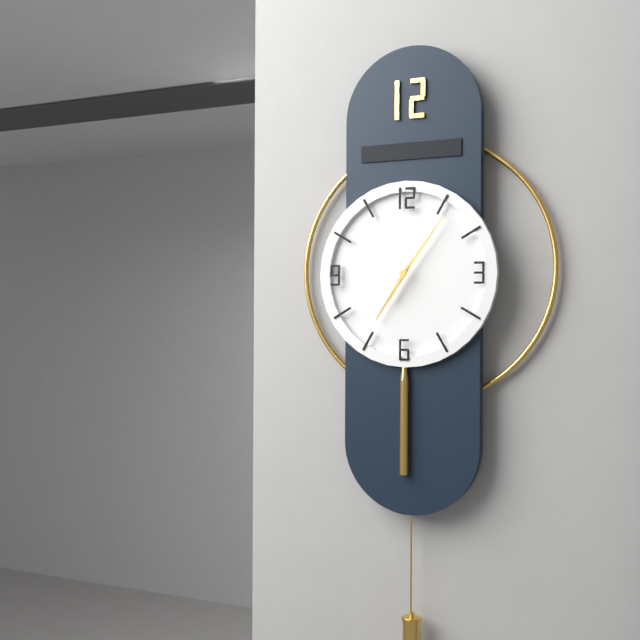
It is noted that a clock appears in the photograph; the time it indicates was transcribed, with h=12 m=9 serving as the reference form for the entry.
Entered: h=7 m=6
